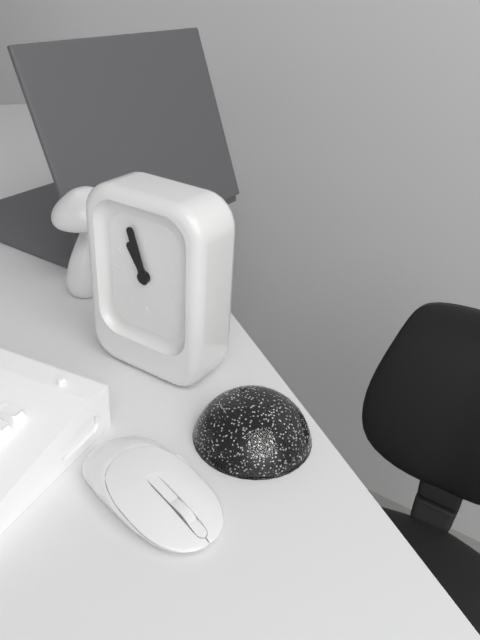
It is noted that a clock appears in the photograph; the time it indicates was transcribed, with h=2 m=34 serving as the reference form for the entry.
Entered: h=10 m=57
